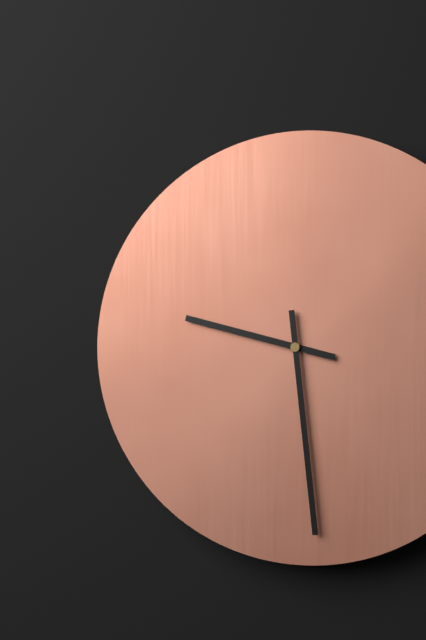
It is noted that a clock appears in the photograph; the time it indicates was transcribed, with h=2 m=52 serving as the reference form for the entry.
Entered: h=9 m=29
